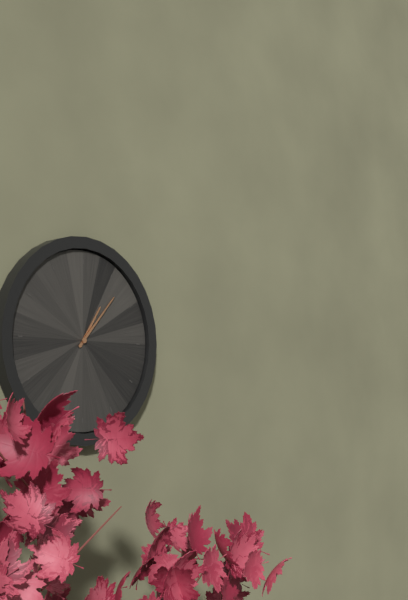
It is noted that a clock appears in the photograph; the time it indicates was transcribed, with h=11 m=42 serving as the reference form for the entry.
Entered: h=1 m=7
